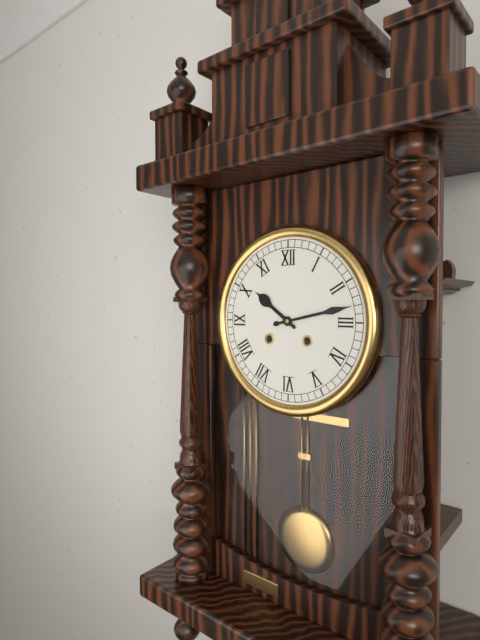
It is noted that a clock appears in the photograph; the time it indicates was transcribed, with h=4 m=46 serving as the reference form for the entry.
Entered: h=10 m=13
